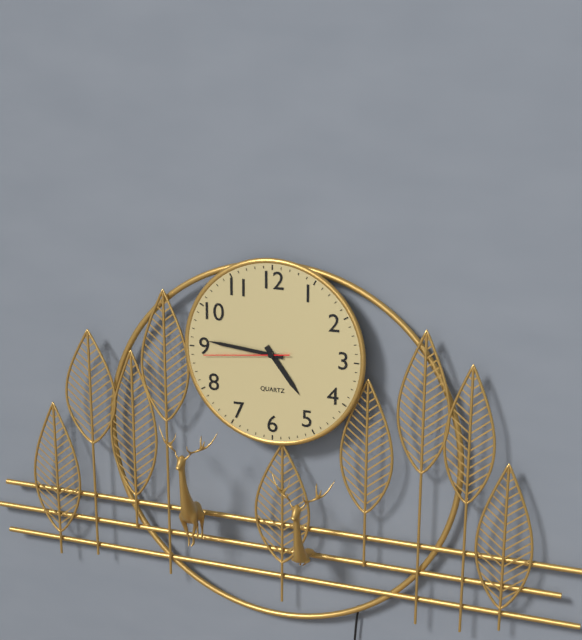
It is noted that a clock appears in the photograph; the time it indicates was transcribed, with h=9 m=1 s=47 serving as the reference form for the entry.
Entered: h=4 m=46 s=44
